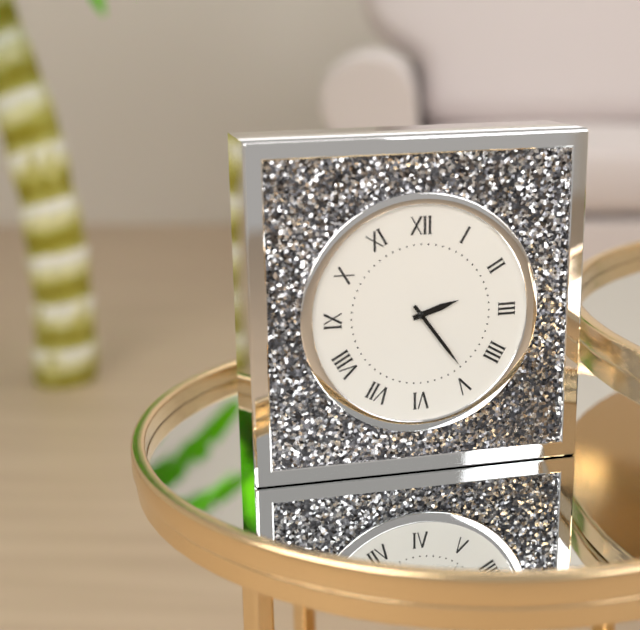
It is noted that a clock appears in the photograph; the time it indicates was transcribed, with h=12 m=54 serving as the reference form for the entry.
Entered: h=2 m=24
